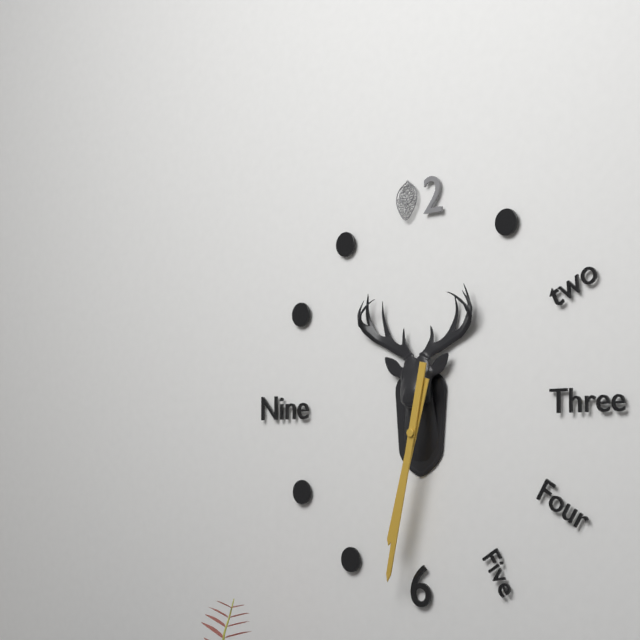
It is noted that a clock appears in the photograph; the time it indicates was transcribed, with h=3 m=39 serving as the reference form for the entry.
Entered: h=6 m=32
